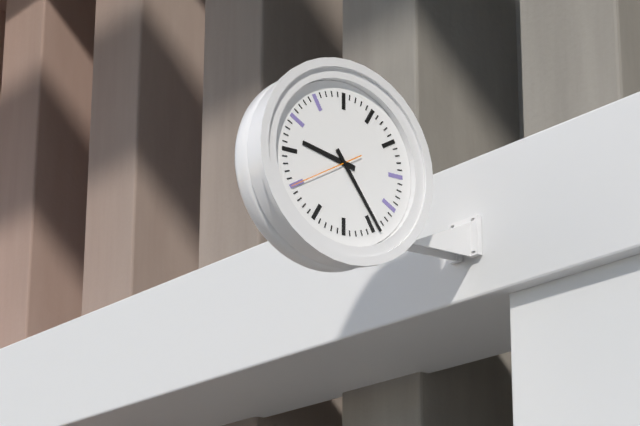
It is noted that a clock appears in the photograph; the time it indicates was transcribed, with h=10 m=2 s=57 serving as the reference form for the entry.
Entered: h=9 m=24 s=40
